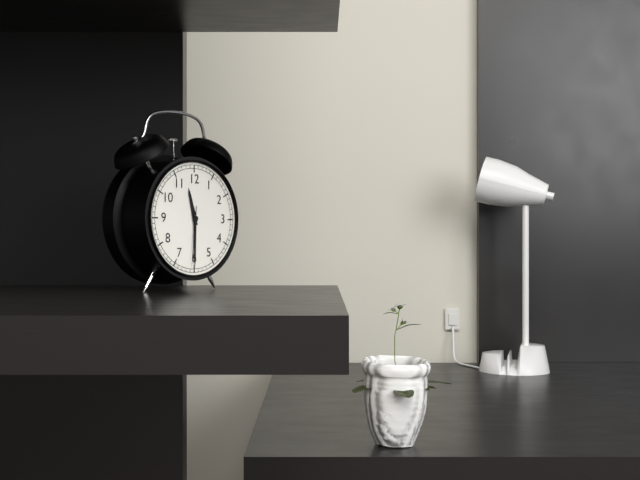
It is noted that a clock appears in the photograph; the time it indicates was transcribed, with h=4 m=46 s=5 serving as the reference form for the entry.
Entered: h=11 m=30 s=31
